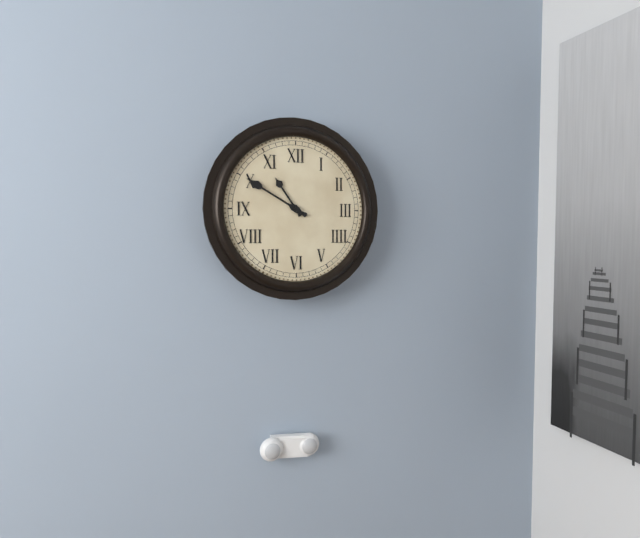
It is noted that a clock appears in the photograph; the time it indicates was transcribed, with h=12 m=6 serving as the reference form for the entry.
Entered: h=10 m=50
